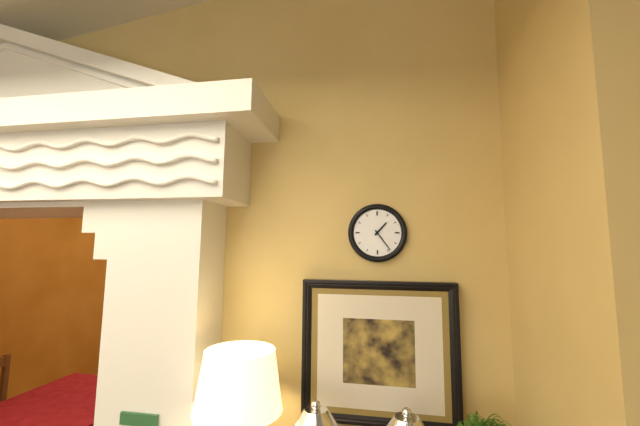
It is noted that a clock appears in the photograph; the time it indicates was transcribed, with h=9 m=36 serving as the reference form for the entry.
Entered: h=1 m=24
